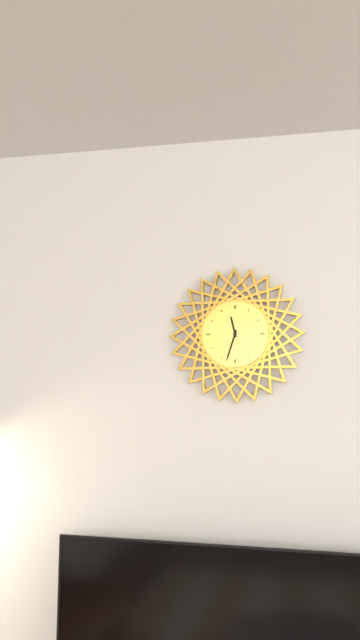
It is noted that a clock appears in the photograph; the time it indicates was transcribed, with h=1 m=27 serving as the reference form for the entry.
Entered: h=11 m=33
